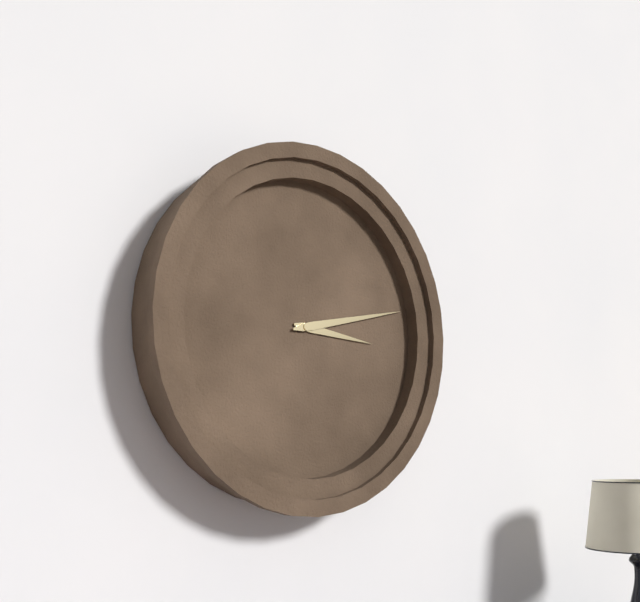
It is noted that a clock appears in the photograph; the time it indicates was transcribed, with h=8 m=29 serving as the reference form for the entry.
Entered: h=3 m=13
